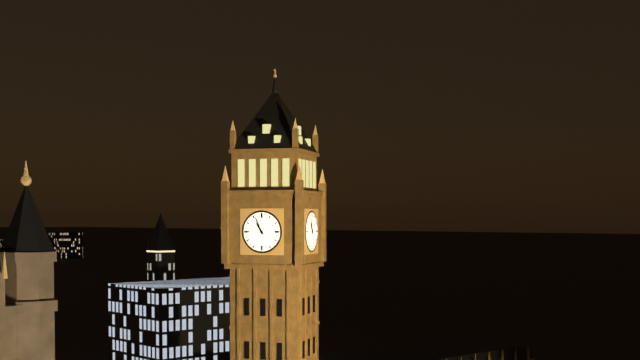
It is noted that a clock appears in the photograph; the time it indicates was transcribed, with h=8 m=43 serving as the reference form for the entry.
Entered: h=10 m=56
